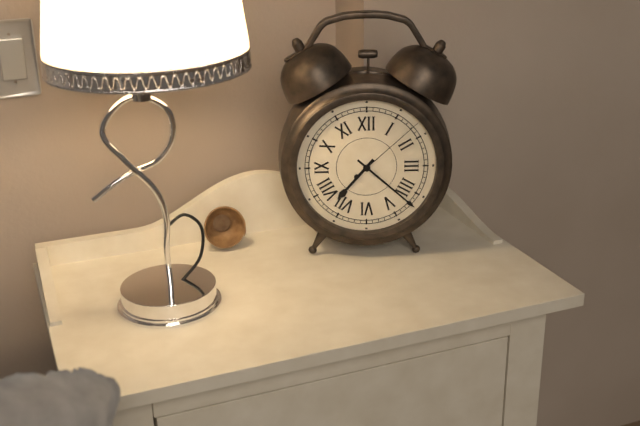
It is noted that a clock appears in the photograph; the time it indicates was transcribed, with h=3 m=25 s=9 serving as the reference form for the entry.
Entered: h=7 m=22 s=8
